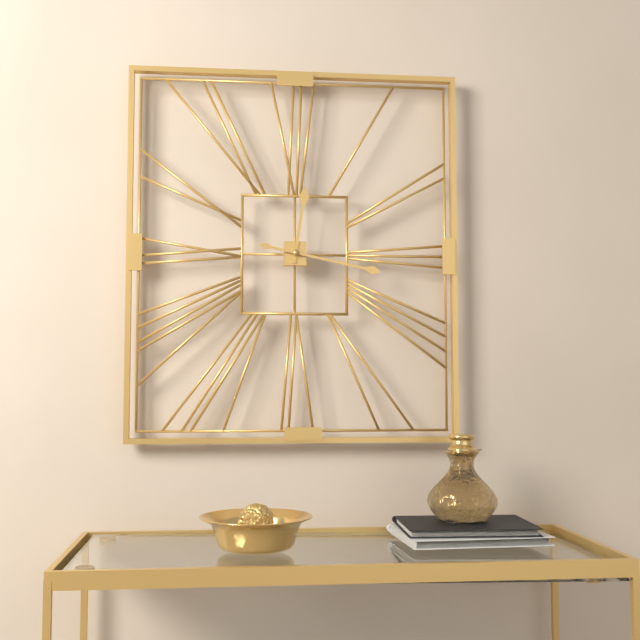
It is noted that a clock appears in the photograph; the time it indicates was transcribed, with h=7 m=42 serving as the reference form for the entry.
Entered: h=12 m=17
